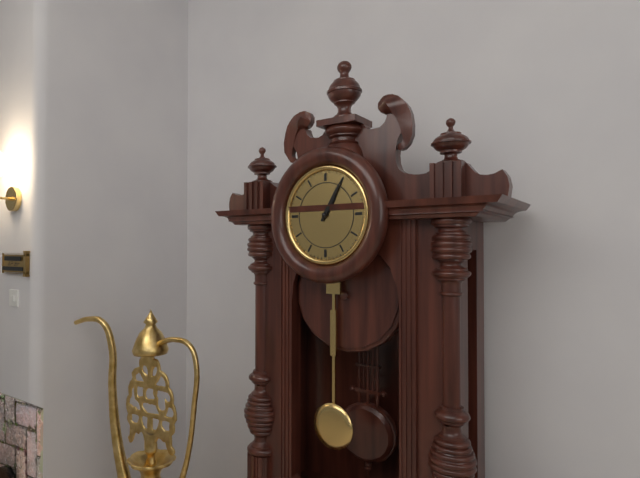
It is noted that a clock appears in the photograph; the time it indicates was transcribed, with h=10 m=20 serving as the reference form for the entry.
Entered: h=1 m=5
